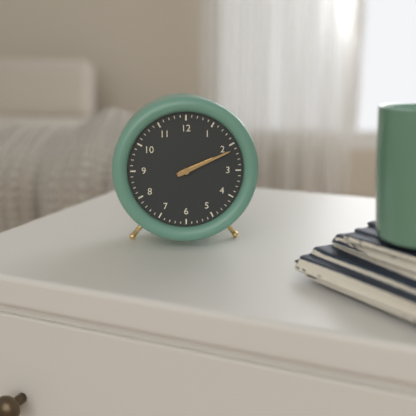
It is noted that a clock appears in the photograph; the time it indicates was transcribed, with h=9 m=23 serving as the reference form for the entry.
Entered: h=2 m=11
